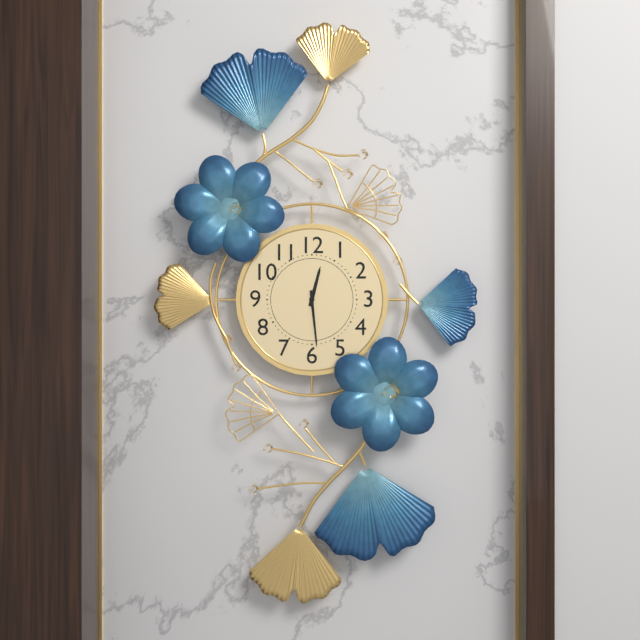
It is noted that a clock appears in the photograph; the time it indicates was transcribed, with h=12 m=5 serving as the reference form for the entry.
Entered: h=12 m=29
